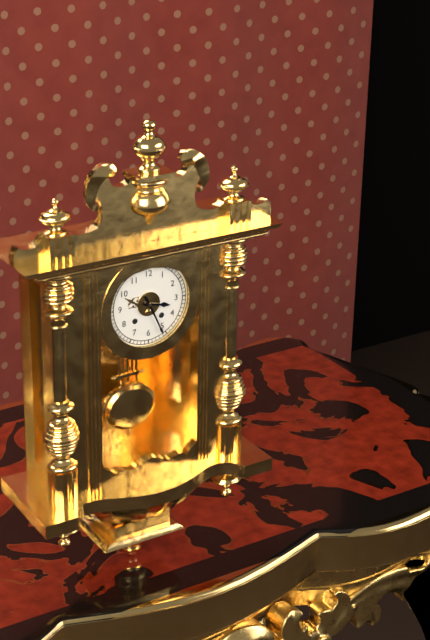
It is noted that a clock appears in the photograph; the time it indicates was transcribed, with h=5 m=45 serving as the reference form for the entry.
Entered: h=3 m=26
